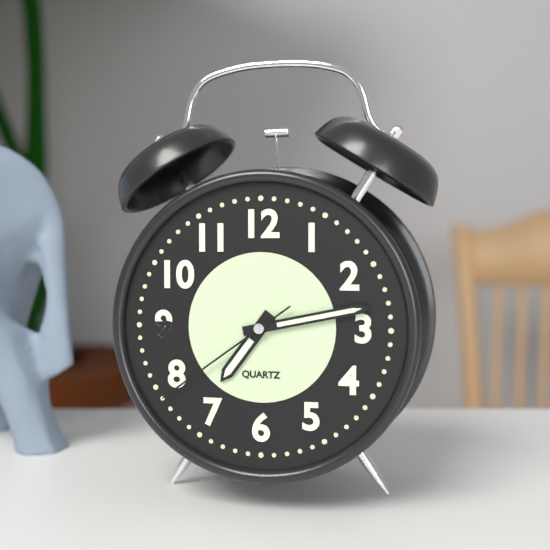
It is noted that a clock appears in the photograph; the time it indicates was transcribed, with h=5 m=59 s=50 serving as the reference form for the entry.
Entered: h=7 m=13 s=39
